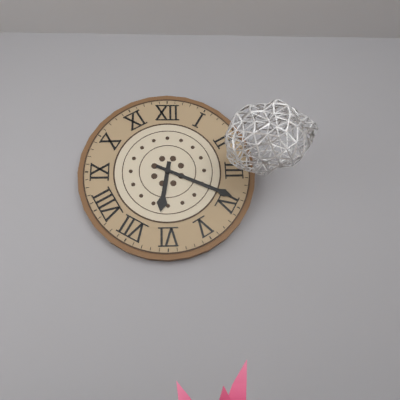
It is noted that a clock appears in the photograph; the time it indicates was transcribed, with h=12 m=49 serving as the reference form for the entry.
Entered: h=6 m=19
